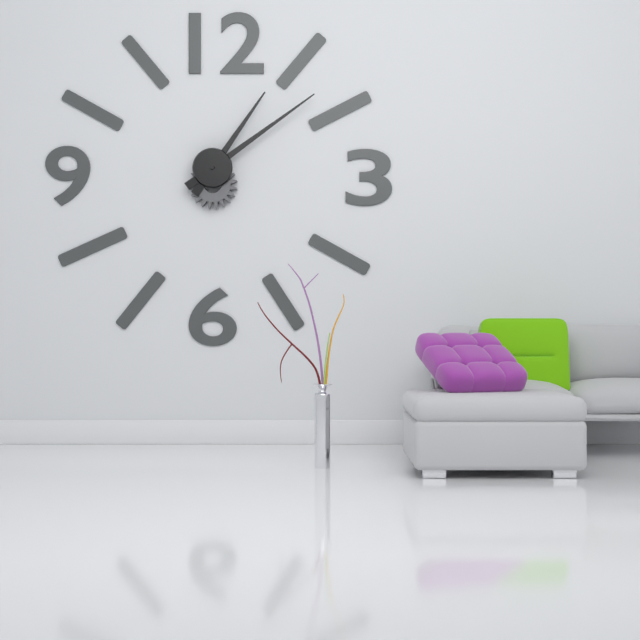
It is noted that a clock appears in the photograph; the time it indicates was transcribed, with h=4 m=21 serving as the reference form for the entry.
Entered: h=1 m=9
